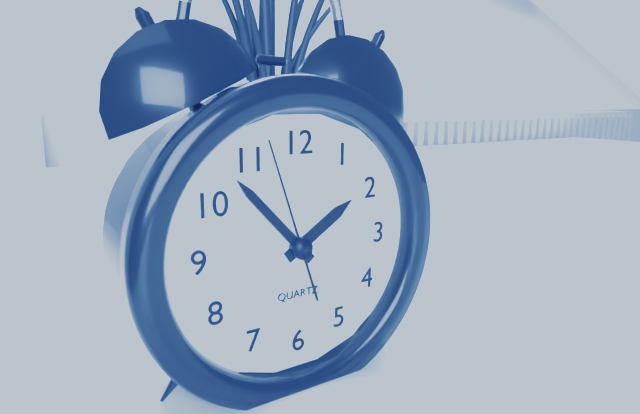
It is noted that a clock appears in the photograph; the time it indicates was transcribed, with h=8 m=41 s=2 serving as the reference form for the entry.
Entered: h=1 m=53 s=57
